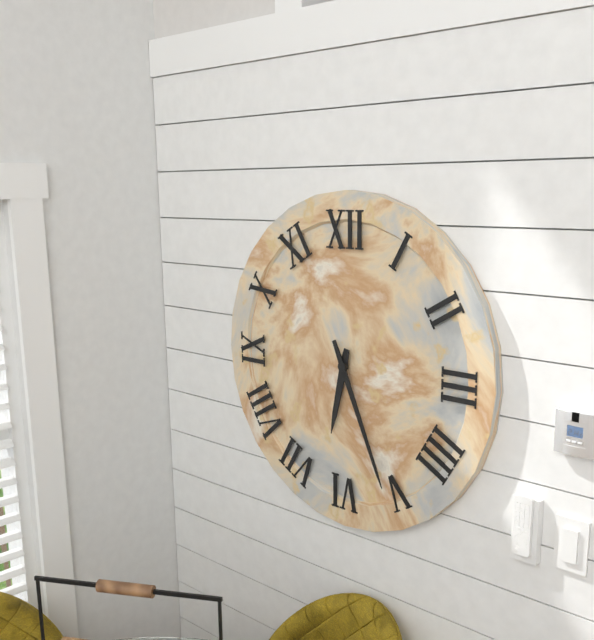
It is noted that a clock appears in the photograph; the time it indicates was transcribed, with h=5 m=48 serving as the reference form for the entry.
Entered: h=6 m=26
